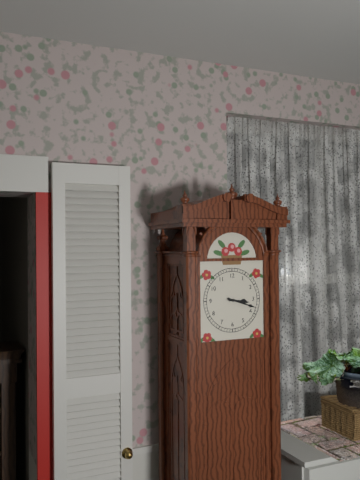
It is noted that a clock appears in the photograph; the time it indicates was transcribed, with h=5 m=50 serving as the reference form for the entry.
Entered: h=3 m=18
